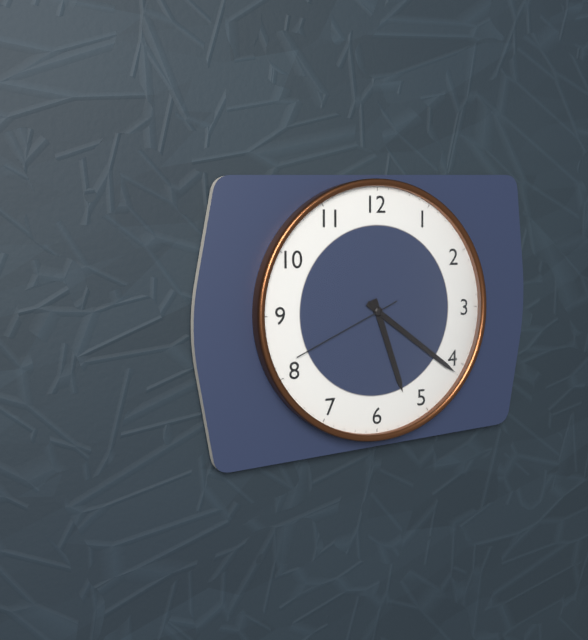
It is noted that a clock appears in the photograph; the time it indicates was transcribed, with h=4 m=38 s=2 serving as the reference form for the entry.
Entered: h=5 m=21 s=41
